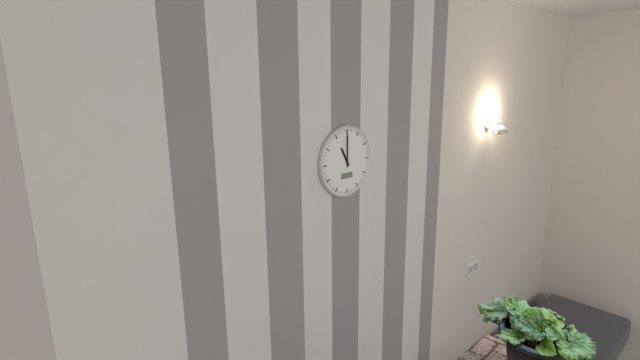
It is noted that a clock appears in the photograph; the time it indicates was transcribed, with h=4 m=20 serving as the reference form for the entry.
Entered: h=11 m=0
